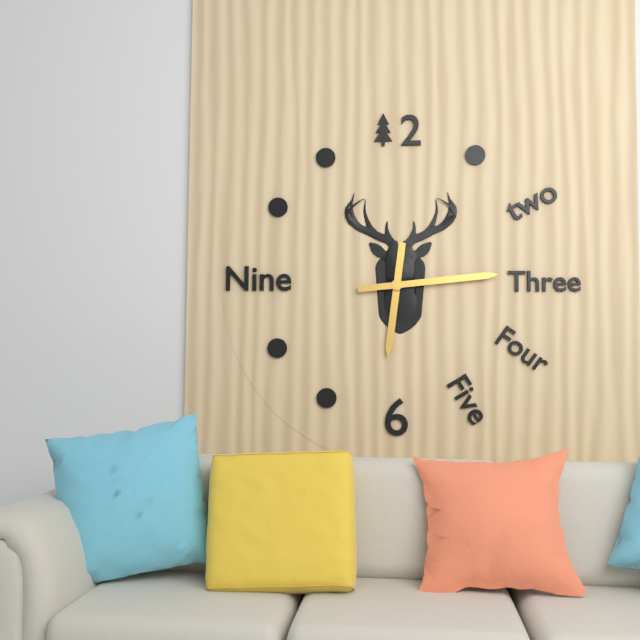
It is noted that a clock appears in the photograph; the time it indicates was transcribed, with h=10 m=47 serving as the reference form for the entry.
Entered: h=6 m=14
